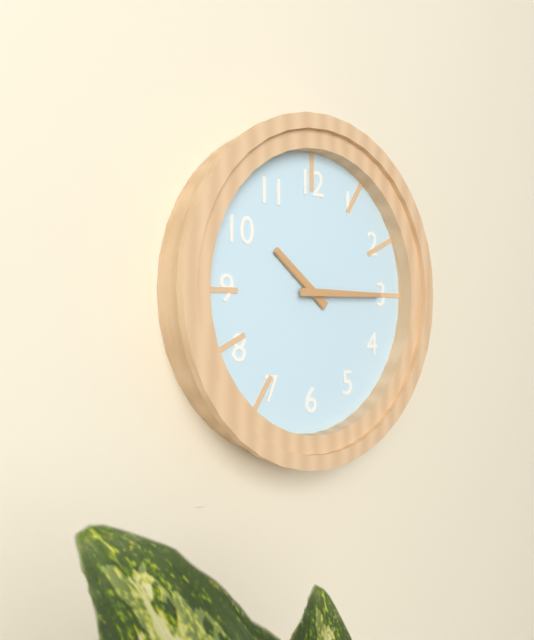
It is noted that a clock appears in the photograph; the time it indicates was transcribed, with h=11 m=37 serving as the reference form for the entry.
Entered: h=10 m=15
